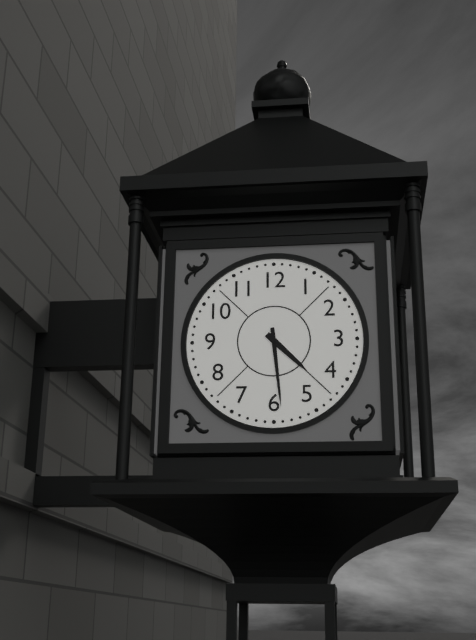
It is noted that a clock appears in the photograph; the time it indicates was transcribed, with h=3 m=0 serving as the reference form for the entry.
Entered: h=4 m=29
